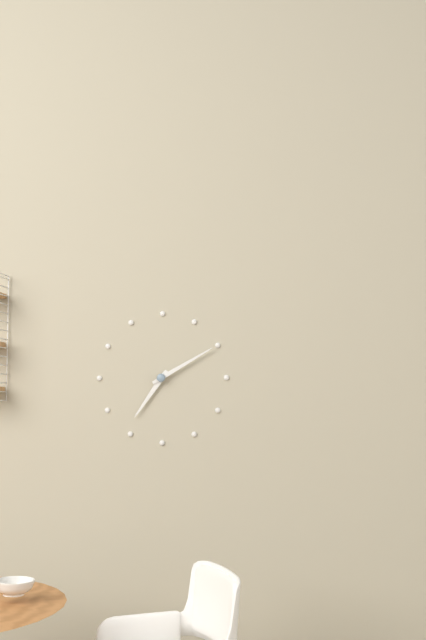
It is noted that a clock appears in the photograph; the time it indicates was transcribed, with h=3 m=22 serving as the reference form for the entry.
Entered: h=7 m=10
